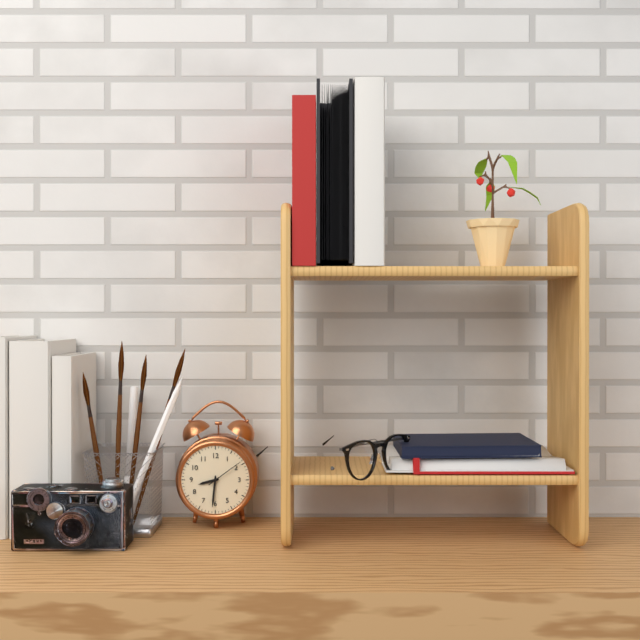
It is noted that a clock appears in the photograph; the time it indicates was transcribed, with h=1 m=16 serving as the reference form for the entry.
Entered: h=8 m=31
